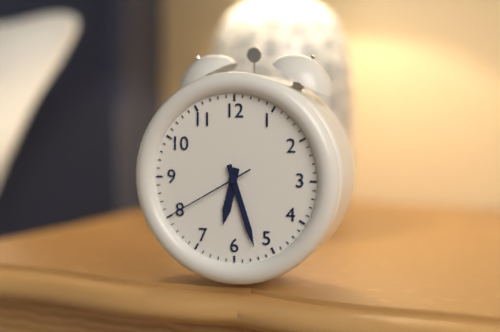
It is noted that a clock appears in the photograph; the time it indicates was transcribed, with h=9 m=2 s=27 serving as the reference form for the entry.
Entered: h=6 m=27 s=40
